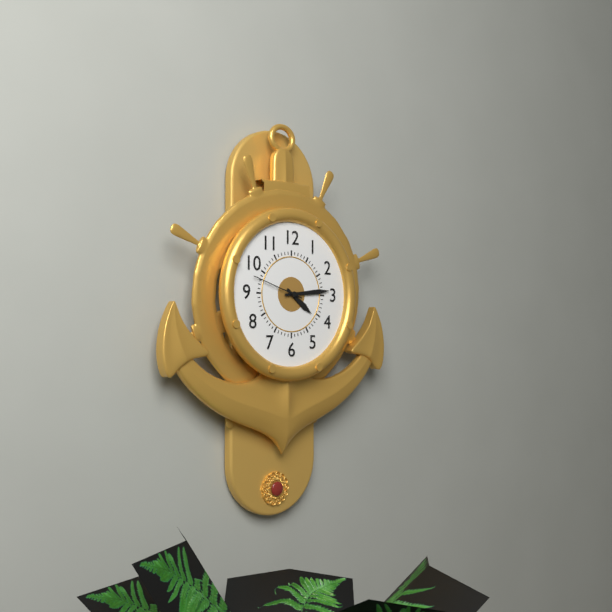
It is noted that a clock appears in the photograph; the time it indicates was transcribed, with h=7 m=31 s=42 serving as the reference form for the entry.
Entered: h=4 m=14 s=48
